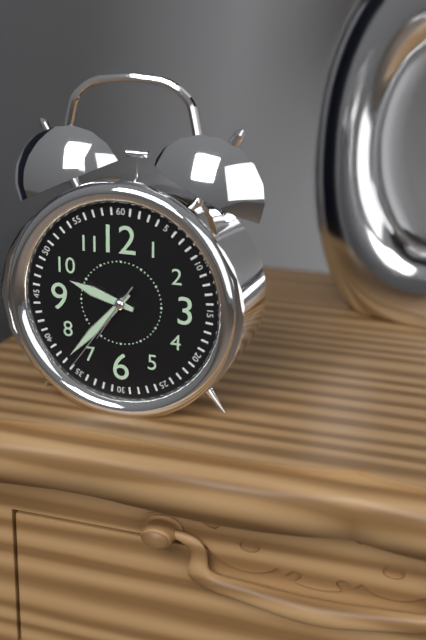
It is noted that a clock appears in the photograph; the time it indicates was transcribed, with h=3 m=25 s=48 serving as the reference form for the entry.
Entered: h=9 m=37 s=36
